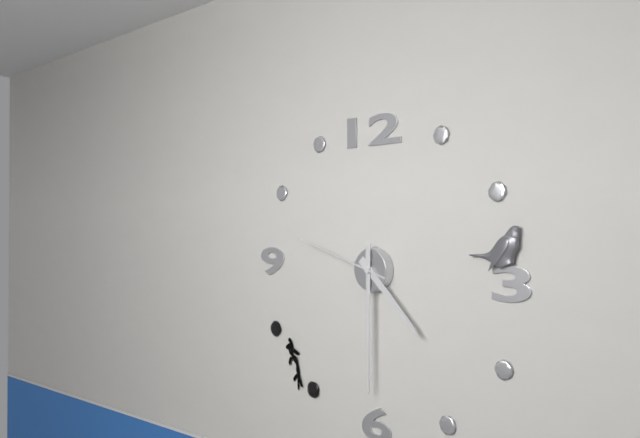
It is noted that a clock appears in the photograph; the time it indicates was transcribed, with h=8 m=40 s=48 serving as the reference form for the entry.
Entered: h=4 m=30 s=48
